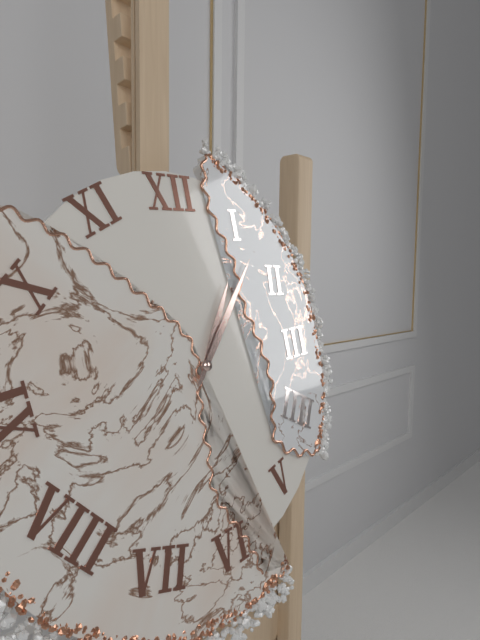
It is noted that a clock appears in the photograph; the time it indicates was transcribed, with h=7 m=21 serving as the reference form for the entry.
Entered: h=1 m=7
